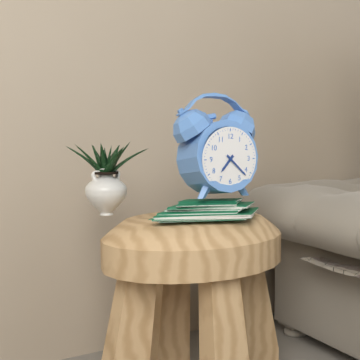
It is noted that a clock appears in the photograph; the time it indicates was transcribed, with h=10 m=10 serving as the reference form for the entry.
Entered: h=7 m=22
